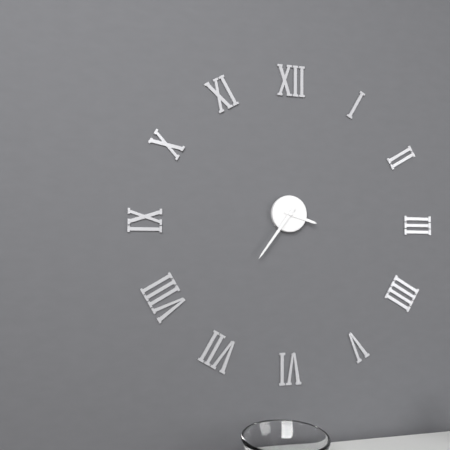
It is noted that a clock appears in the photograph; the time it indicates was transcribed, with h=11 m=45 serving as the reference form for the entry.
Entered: h=3 m=36
